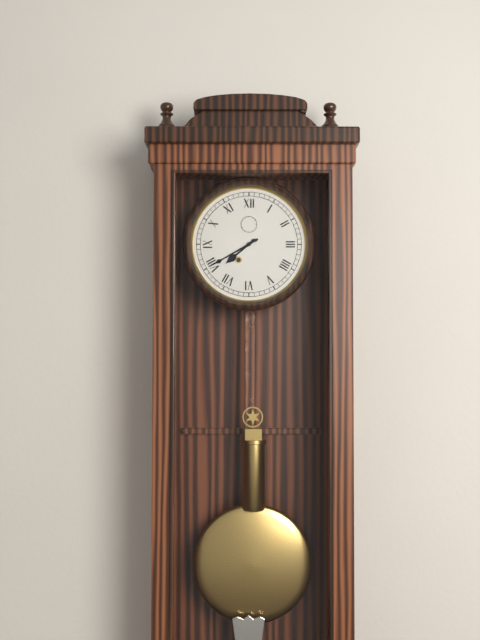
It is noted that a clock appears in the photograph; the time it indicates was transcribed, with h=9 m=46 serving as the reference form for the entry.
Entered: h=7 m=40
